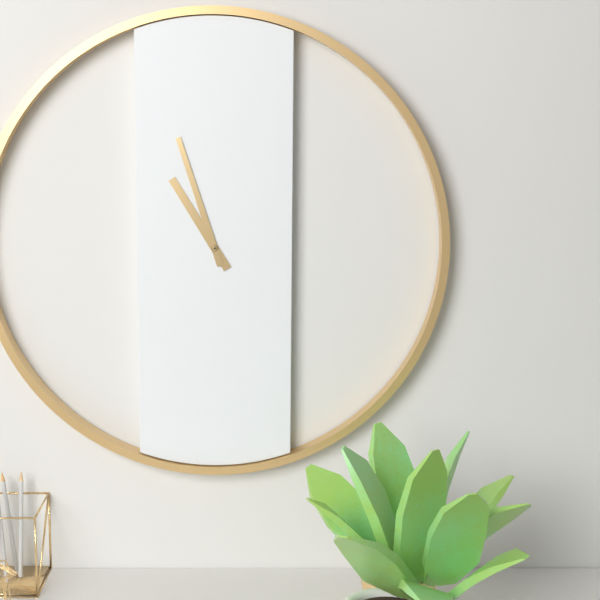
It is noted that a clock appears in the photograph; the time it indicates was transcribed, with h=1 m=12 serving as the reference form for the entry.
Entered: h=10 m=57
